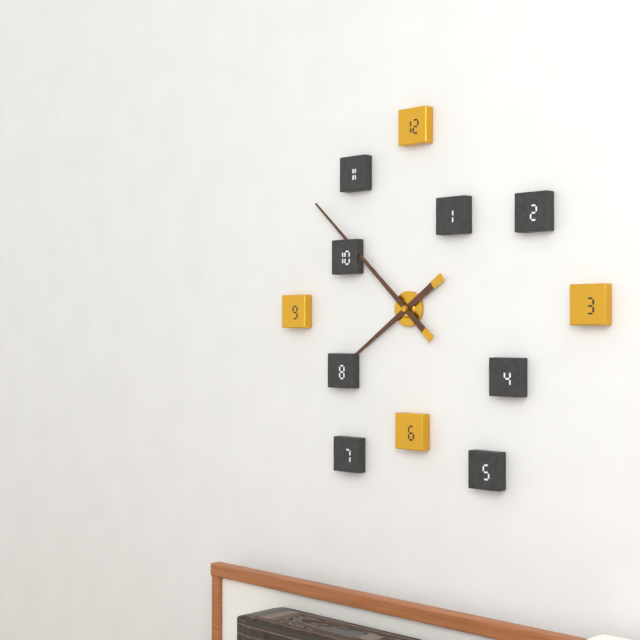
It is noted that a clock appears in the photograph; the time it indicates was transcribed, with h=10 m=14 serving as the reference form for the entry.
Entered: h=7 m=52
